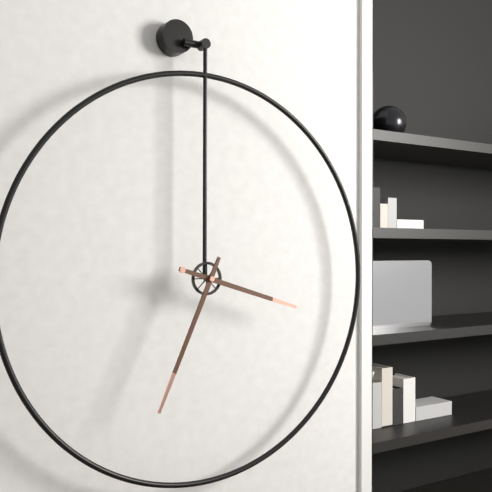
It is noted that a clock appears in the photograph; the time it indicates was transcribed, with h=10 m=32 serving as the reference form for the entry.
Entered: h=3 m=34
